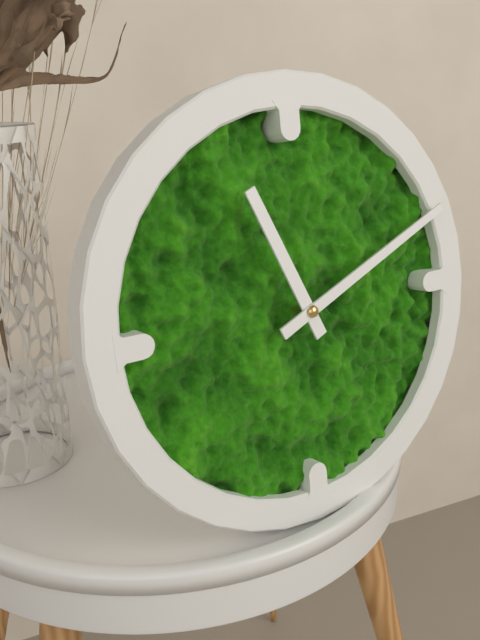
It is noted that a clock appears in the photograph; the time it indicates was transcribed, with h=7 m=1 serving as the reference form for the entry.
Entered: h=11 m=11
